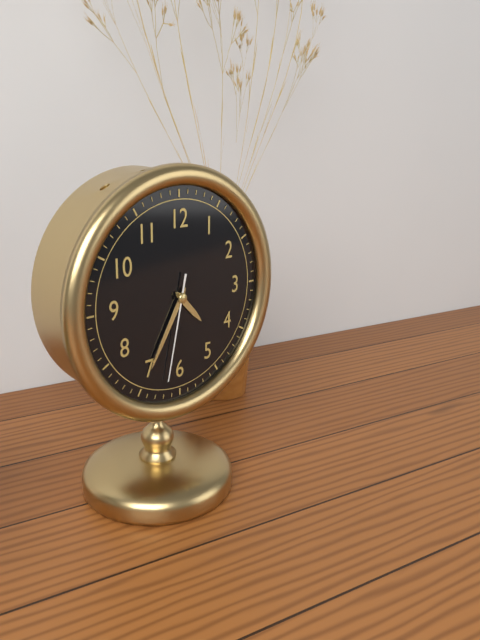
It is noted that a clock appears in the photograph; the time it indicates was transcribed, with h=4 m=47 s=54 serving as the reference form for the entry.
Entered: h=4 m=35 s=32
